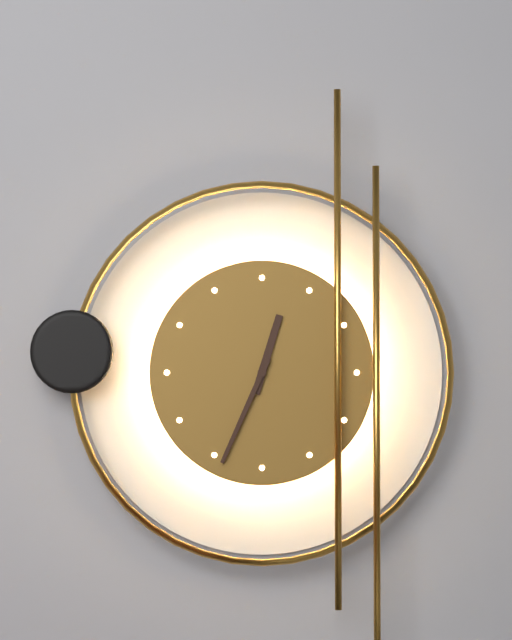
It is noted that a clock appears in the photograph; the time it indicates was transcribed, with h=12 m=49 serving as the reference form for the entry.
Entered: h=12 m=34
